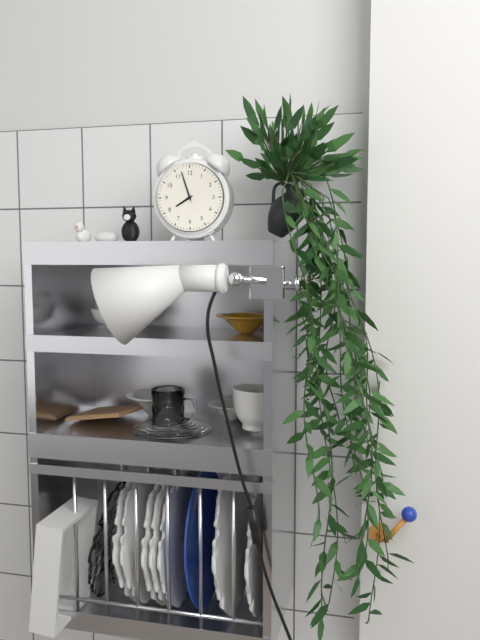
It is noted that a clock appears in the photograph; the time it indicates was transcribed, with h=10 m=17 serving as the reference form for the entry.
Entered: h=7 m=57
